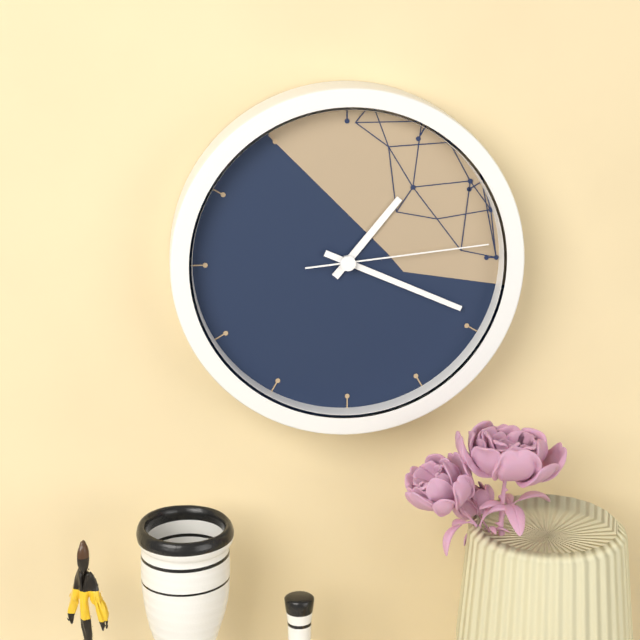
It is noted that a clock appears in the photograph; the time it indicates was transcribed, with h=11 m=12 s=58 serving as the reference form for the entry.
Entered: h=1 m=19 s=14
